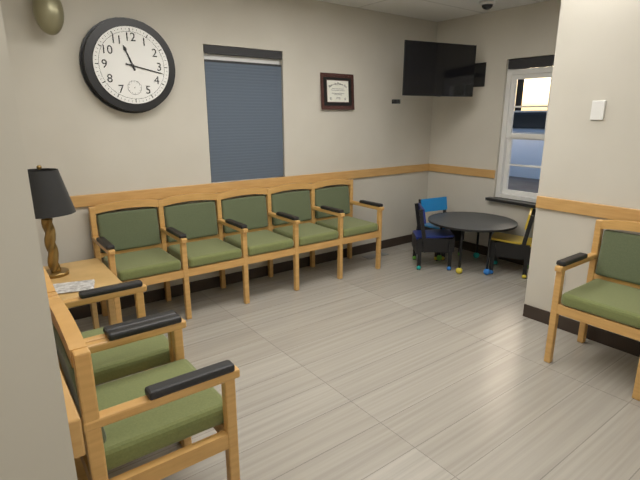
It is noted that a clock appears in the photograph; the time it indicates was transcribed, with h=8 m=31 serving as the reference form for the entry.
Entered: h=11 m=17
